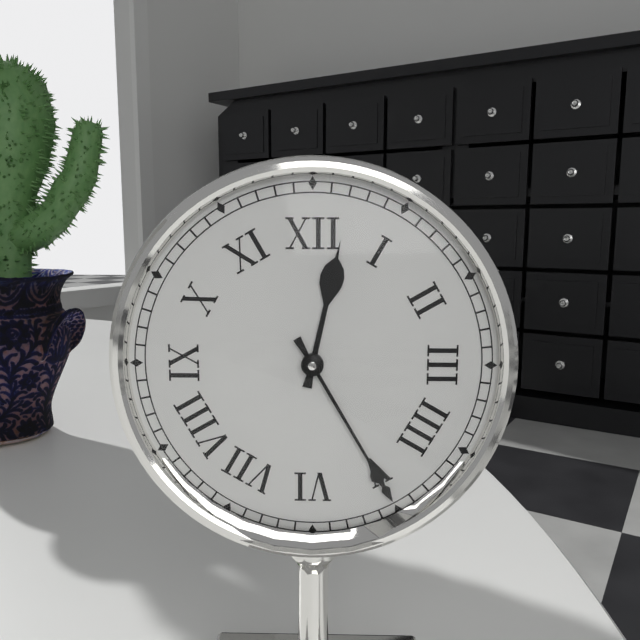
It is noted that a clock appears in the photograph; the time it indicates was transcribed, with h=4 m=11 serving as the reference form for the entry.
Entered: h=12 m=25
